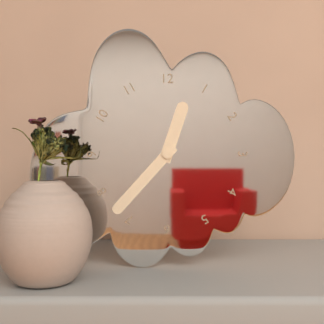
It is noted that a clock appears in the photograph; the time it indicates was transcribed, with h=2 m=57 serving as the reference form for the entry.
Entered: h=12 m=37
